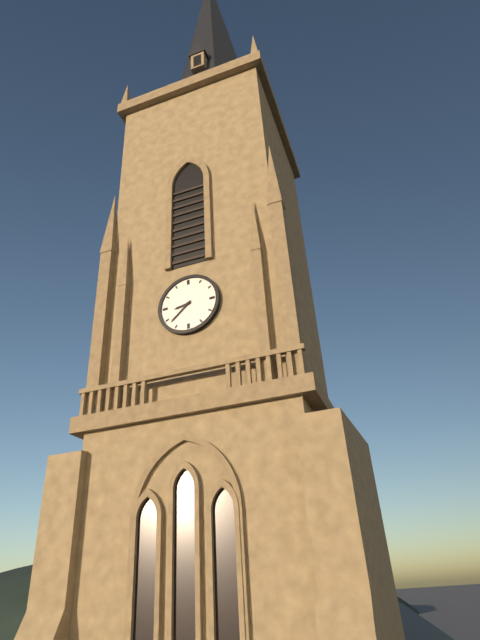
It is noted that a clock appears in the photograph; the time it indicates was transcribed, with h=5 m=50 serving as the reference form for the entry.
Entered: h=8 m=38
